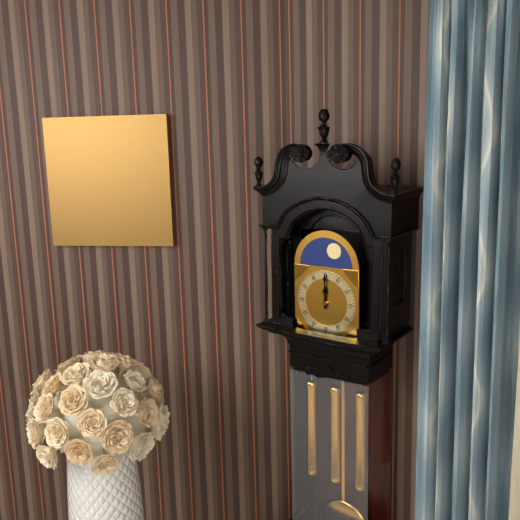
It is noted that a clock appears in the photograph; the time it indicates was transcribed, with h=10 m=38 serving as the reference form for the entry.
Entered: h=12 m=0
